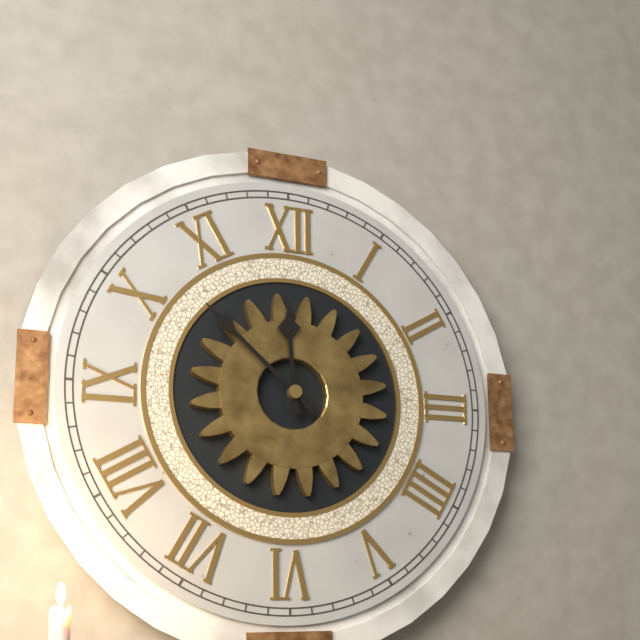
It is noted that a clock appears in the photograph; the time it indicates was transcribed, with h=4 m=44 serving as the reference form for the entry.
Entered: h=11 m=52
